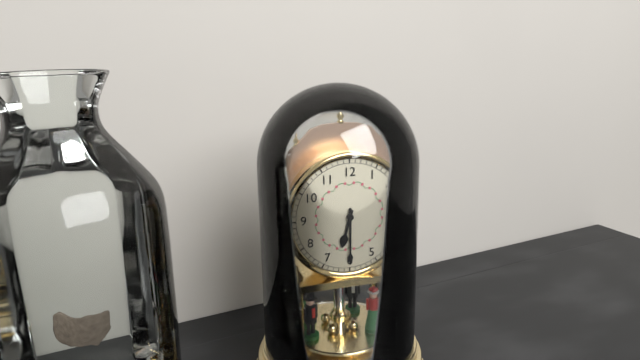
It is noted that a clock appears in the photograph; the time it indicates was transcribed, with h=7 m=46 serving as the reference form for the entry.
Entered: h=6 m=30
